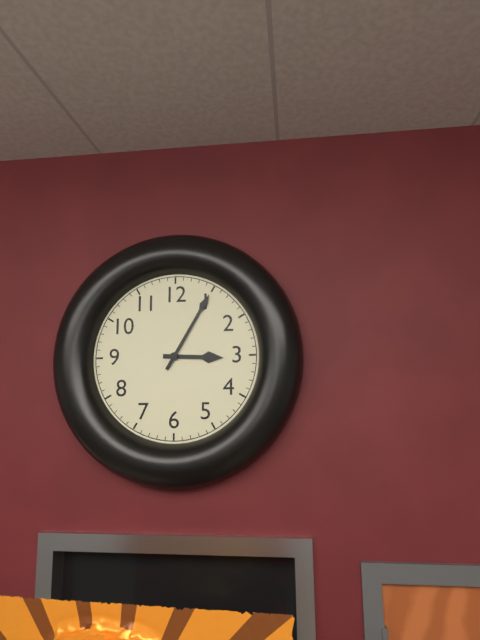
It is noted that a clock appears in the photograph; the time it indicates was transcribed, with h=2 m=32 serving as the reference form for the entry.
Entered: h=3 m=5
